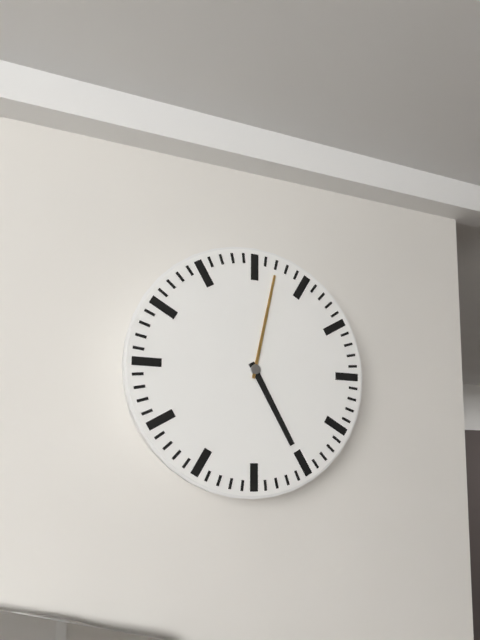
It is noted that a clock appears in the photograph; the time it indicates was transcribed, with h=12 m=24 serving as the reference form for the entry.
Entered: h=5 m=2
